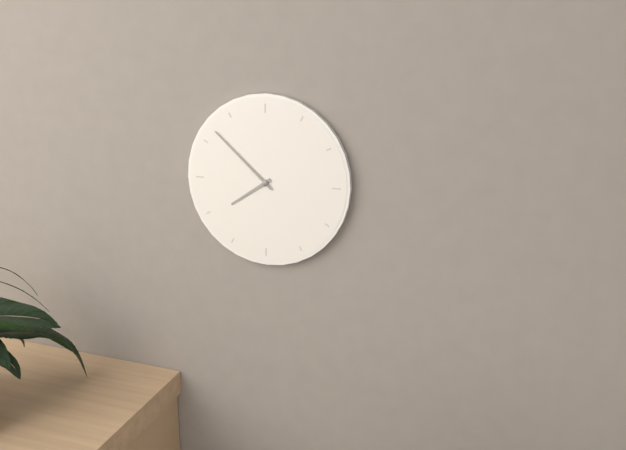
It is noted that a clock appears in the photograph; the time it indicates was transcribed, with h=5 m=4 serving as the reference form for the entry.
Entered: h=7 m=52
